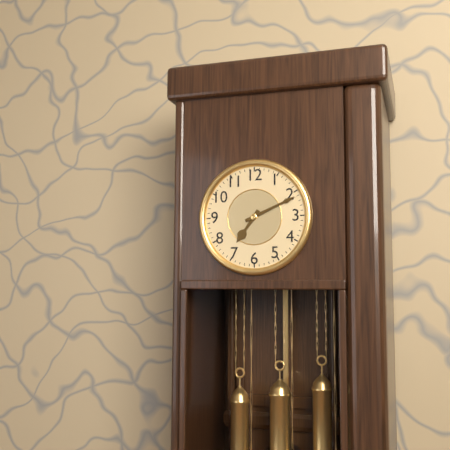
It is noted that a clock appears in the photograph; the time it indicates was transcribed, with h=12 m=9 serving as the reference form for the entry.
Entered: h=7 m=11
